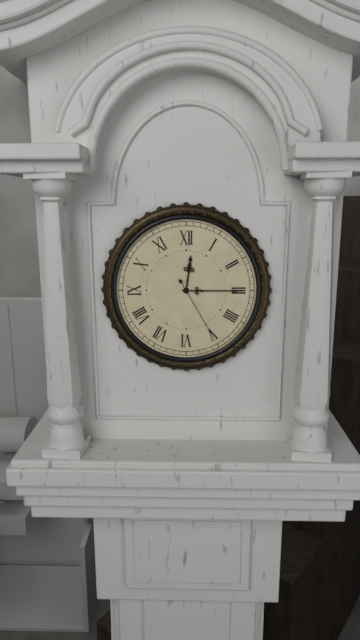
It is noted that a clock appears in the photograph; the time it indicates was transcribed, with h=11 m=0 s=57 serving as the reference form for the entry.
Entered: h=12 m=15 s=25
